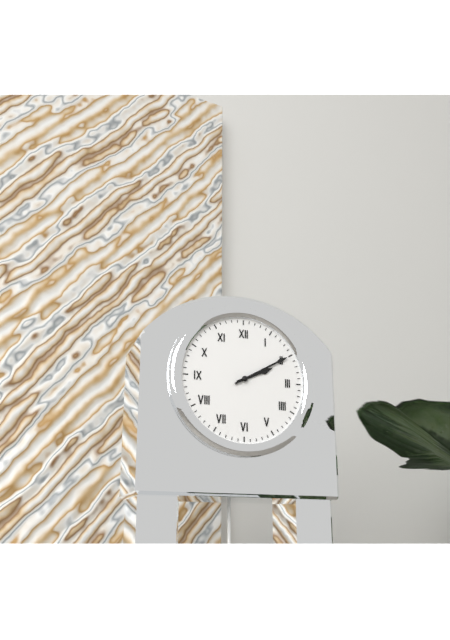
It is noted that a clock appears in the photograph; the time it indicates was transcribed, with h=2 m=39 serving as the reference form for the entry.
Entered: h=2 m=10
